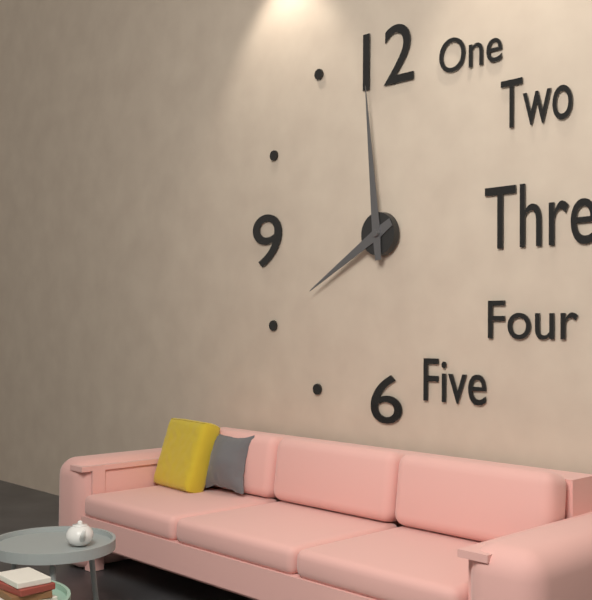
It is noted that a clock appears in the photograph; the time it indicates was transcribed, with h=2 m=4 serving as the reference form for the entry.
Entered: h=7 m=59
